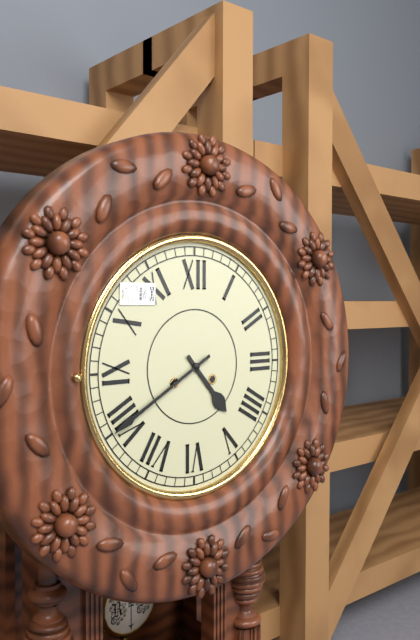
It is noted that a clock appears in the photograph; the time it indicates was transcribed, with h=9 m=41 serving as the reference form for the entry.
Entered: h=4 m=40
